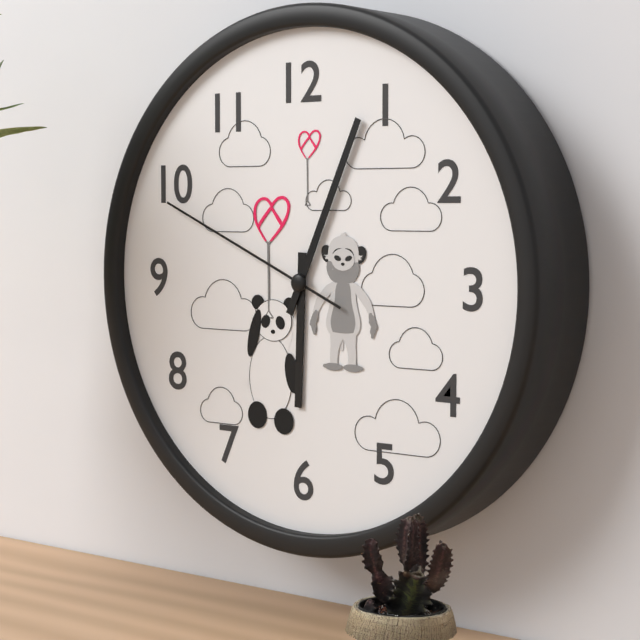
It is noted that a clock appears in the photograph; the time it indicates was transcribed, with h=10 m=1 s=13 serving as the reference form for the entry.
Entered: h=6 m=4 s=49
